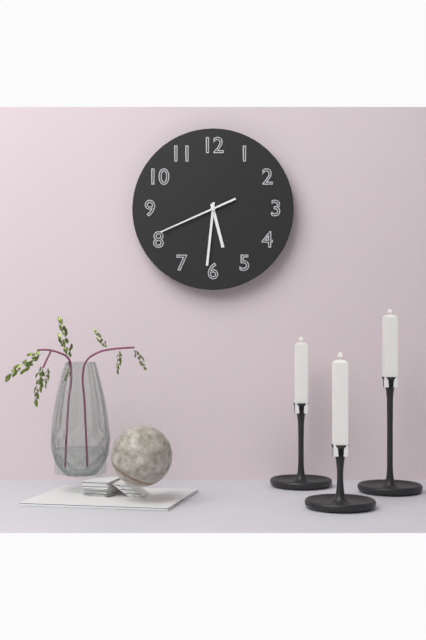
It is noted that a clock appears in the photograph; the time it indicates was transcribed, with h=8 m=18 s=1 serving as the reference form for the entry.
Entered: h=5 m=31 s=41
